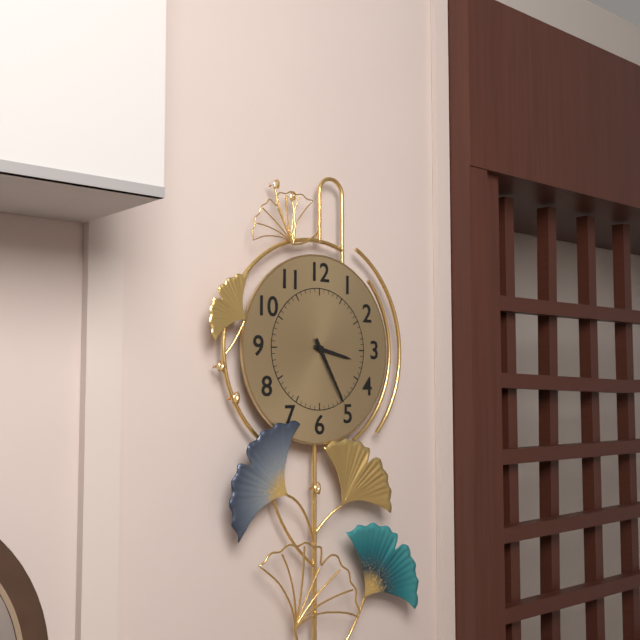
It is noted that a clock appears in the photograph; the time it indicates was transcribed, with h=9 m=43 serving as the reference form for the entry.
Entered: h=3 m=25
